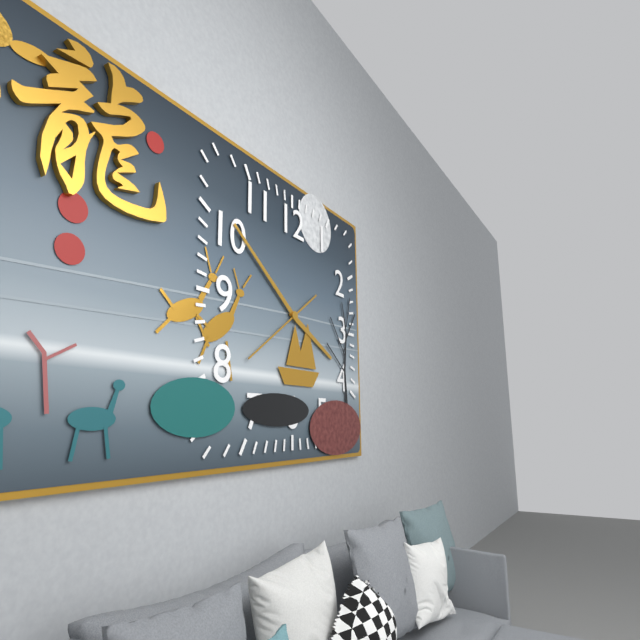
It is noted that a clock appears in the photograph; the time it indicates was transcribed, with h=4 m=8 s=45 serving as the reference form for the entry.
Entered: h=3 m=51 s=39
